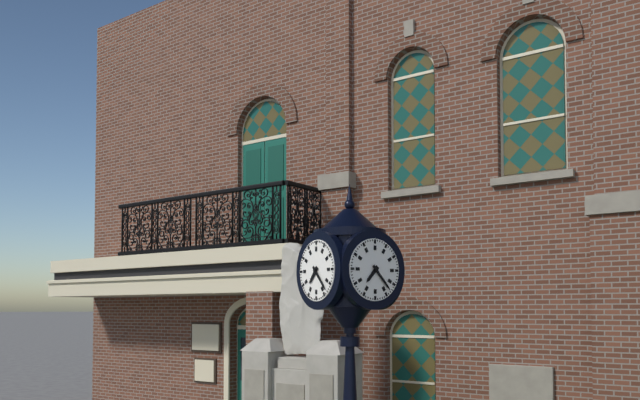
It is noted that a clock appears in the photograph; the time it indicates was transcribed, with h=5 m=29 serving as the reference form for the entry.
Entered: h=7 m=23
